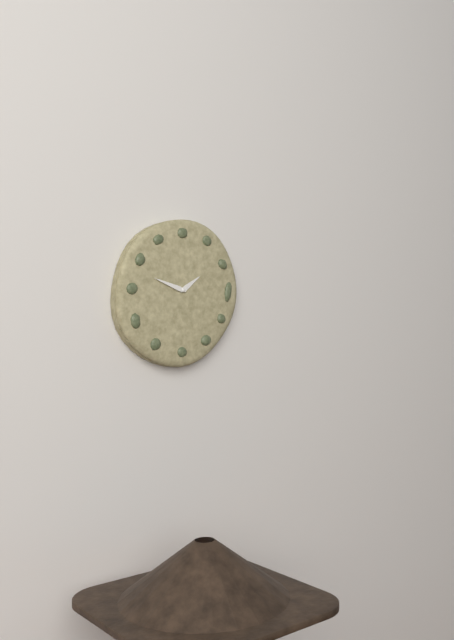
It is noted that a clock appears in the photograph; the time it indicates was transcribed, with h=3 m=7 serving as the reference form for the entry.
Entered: h=1 m=48
